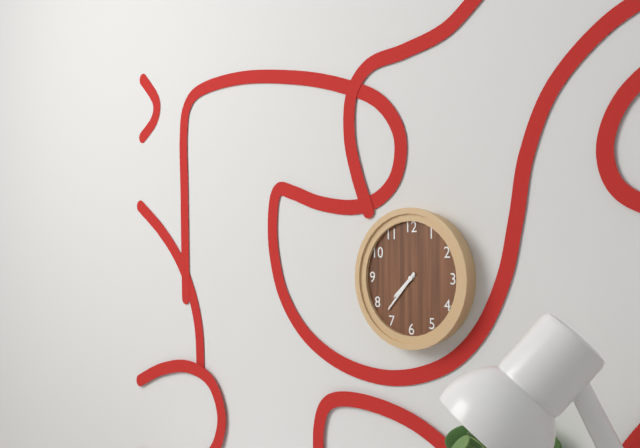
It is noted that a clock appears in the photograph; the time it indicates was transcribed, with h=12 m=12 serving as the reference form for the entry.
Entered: h=7 m=37
